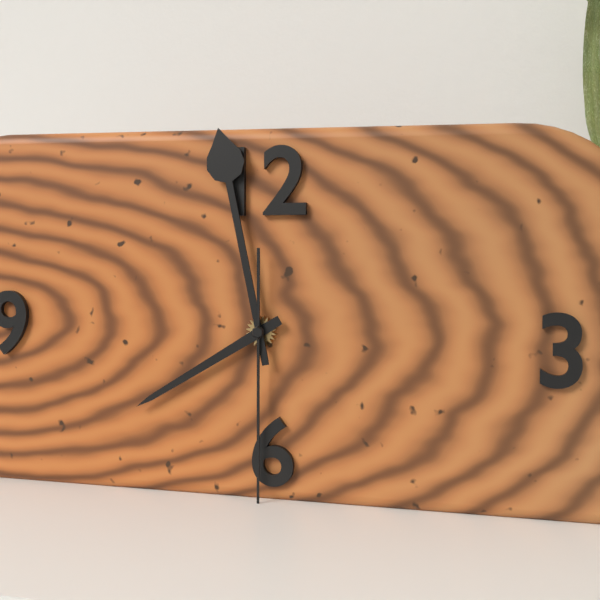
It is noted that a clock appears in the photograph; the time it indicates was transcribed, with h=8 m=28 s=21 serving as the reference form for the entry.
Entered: h=7 m=58 s=30
